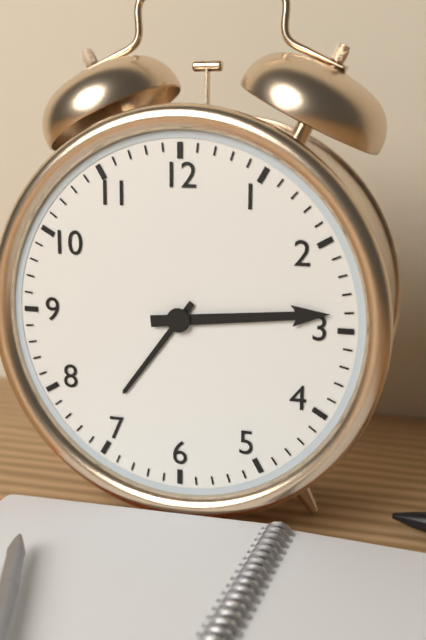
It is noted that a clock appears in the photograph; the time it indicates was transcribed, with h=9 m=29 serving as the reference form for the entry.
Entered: h=7 m=14
